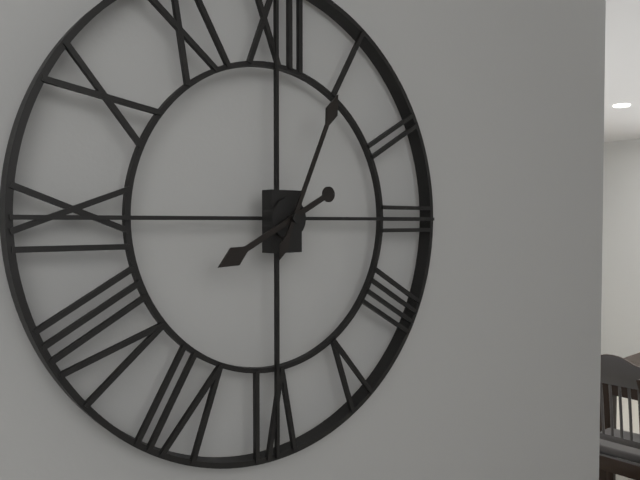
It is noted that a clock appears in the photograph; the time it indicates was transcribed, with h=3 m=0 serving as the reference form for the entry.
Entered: h=8 m=4
